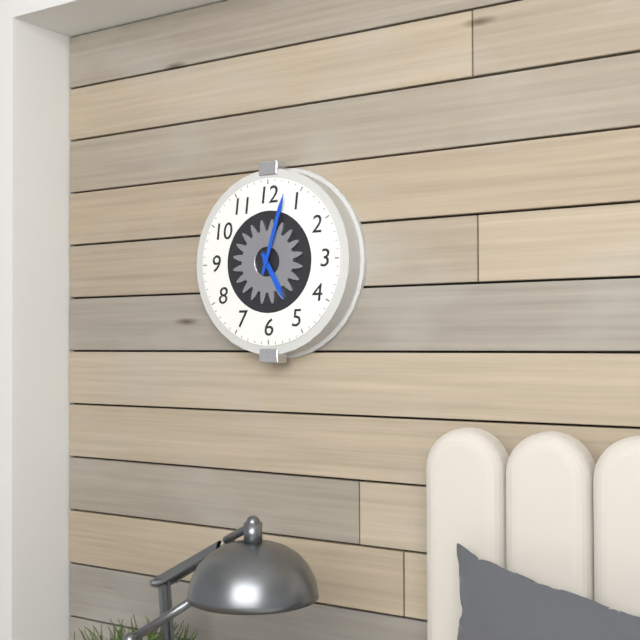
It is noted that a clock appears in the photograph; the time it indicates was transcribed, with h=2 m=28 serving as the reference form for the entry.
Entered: h=5 m=3
